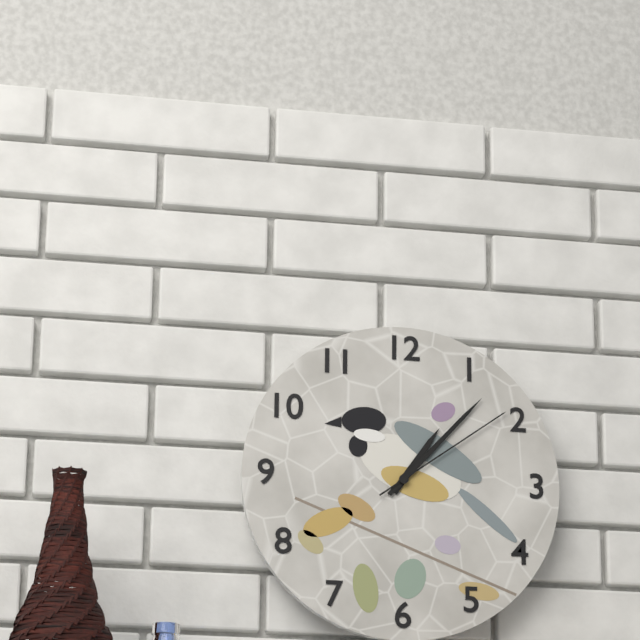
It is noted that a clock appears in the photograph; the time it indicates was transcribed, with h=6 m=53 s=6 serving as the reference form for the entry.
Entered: h=1 m=7 s=9
